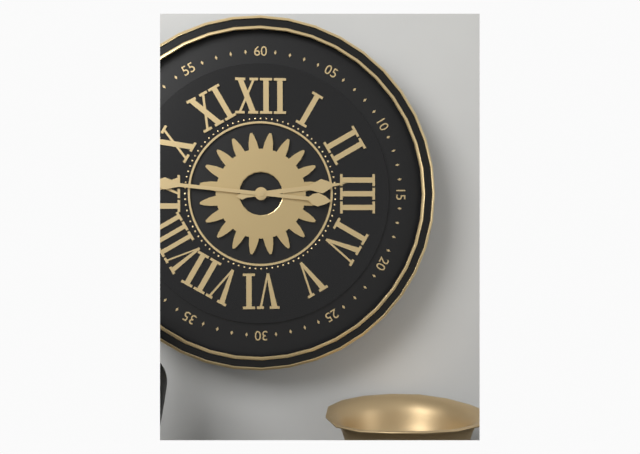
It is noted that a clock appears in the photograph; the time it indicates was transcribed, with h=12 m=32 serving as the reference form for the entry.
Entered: h=2 m=46
